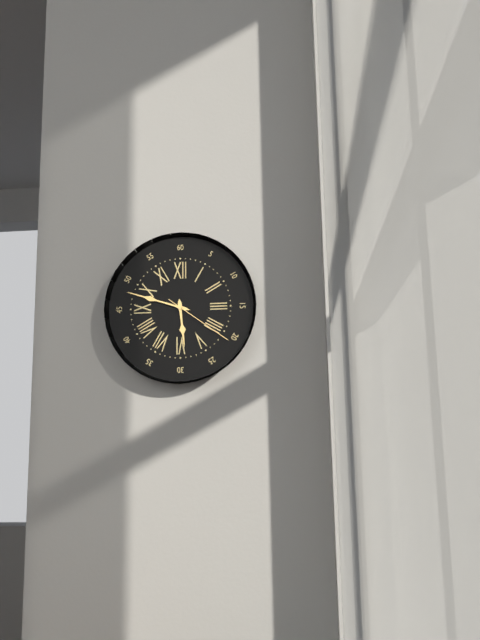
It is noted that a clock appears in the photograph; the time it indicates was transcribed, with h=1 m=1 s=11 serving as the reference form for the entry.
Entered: h=5 m=48 s=21
